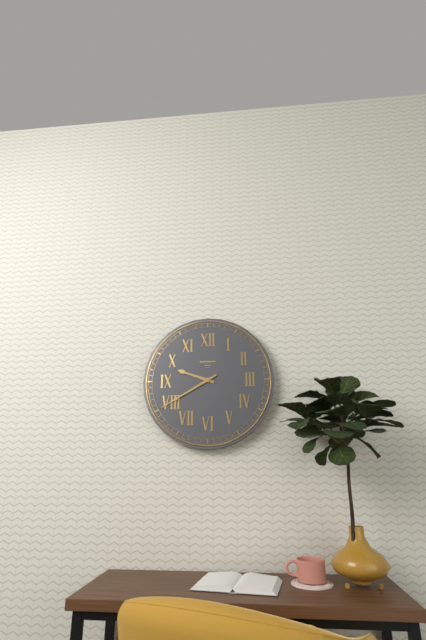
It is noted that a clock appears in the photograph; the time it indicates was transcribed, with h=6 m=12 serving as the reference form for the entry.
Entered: h=9 m=40
